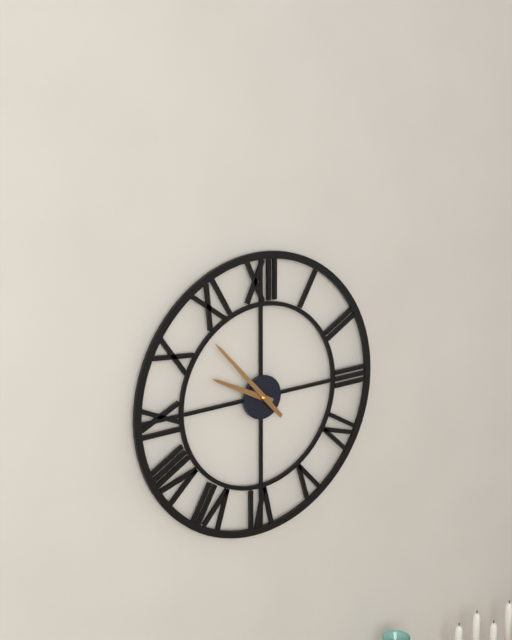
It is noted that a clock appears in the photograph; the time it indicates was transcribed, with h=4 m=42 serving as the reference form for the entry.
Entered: h=9 m=53
